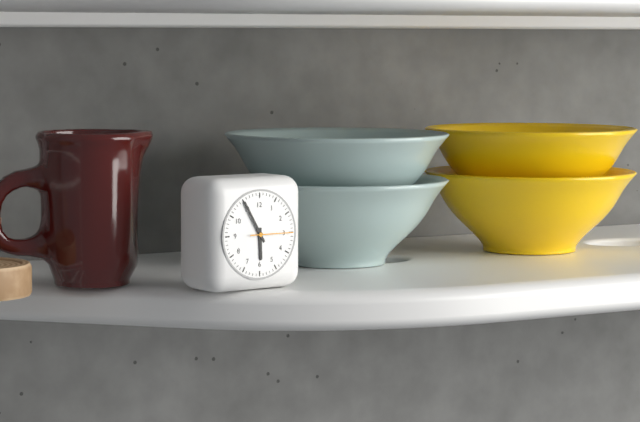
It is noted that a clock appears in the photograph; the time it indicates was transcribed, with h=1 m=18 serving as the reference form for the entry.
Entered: h=5 m=55
